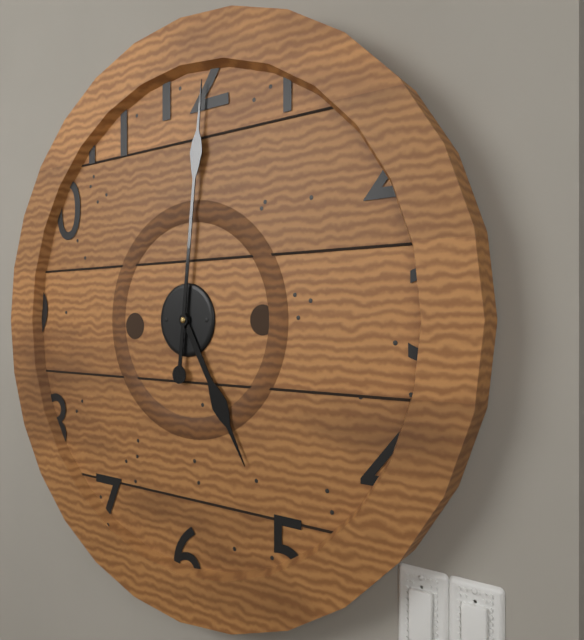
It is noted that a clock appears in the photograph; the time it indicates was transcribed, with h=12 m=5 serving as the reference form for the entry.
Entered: h=5 m=1
